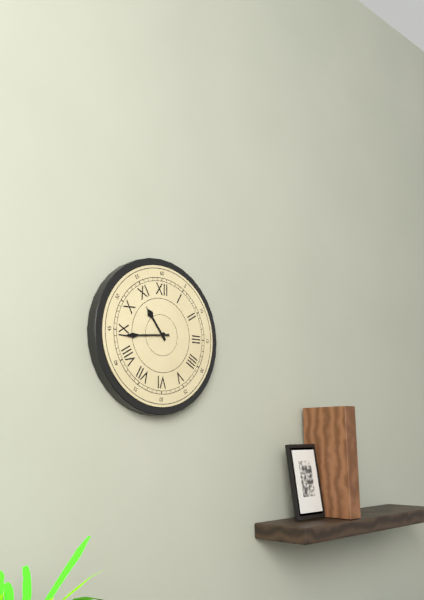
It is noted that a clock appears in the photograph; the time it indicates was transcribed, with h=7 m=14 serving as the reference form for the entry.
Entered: h=10 m=44
